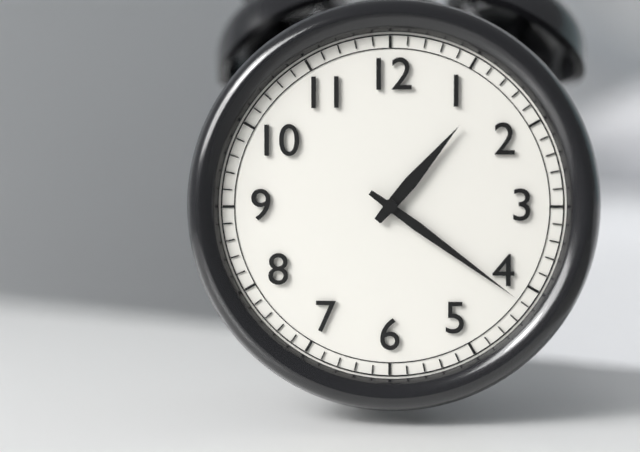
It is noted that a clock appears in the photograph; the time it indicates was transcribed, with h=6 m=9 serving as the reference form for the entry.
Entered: h=1 m=21
